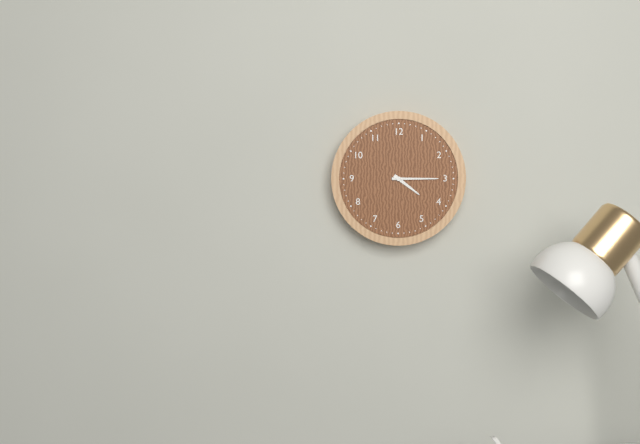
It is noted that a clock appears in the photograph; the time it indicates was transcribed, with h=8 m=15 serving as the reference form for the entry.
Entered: h=4 m=15
